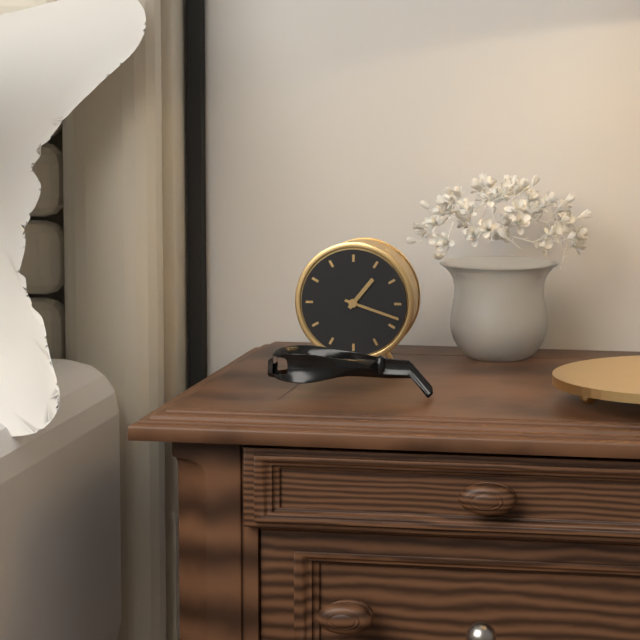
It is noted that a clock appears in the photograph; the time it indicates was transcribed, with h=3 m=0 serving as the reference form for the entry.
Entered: h=1 m=18
